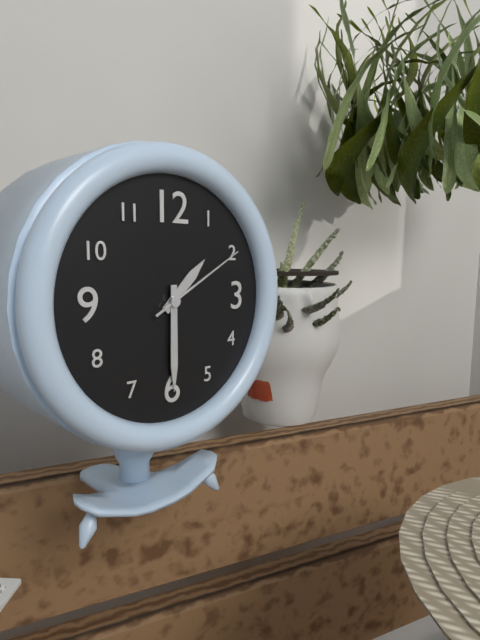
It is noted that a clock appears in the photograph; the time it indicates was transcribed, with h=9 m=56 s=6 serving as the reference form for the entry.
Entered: h=1 m=30 s=10
